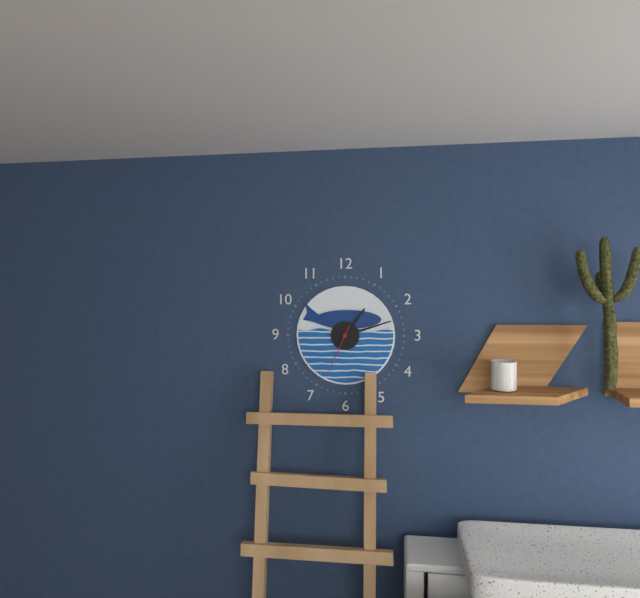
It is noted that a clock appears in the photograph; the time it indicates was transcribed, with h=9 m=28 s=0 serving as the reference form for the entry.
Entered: h=1 m=12 s=34
